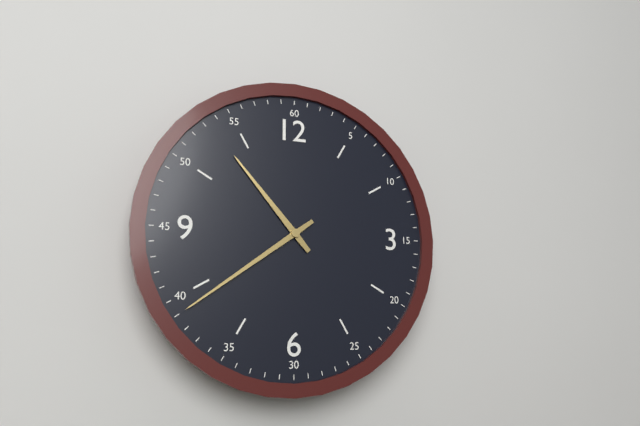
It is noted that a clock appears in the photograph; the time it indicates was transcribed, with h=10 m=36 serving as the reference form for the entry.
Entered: h=10 m=39
